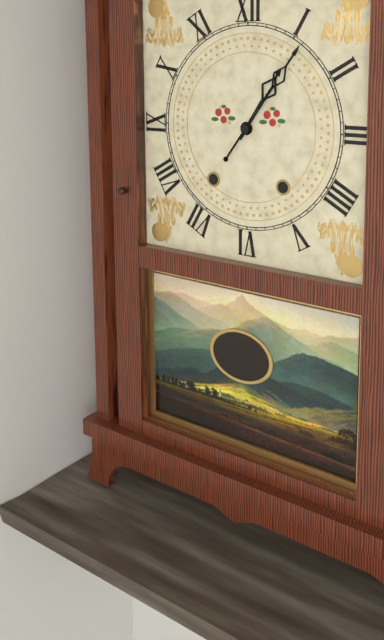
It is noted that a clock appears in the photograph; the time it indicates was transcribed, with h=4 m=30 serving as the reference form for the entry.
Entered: h=1 m=6
